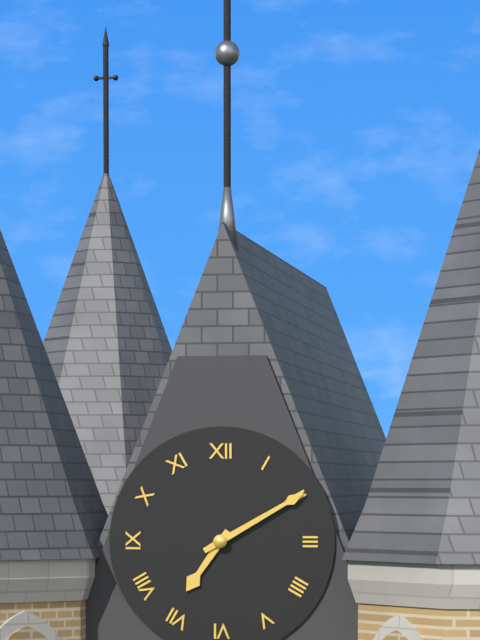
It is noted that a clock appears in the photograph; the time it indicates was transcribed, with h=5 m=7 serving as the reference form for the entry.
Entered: h=7 m=10
